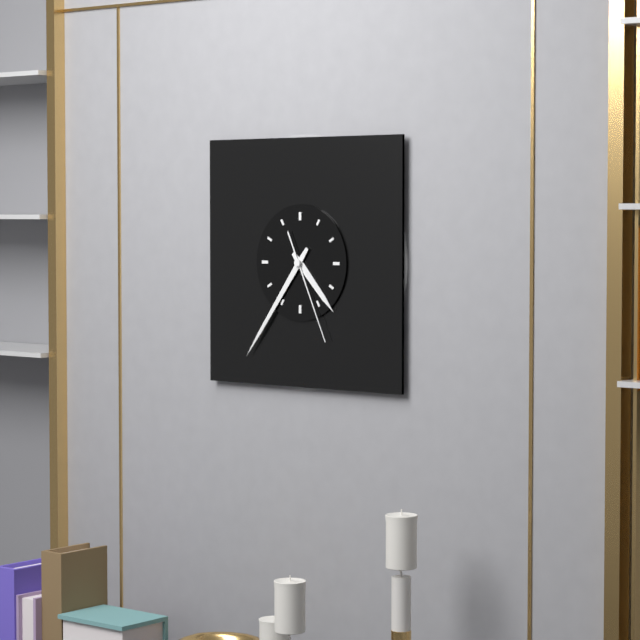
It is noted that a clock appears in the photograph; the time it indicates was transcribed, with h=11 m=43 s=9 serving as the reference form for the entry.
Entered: h=4 m=36 s=26
